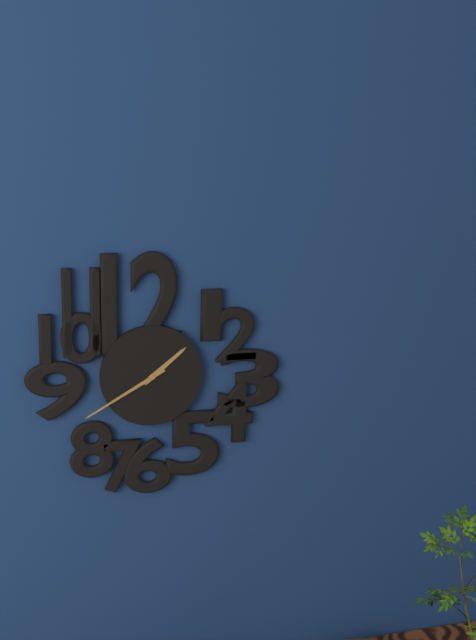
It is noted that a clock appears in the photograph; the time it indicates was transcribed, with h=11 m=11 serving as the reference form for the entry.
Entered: h=1 m=40
